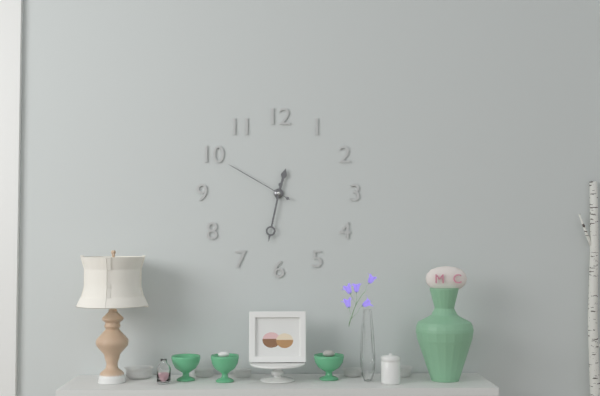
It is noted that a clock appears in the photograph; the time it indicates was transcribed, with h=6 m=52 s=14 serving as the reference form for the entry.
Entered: h=12 m=32 s=50
